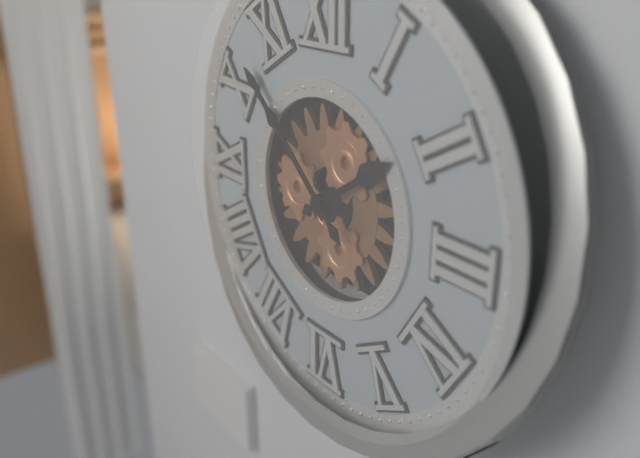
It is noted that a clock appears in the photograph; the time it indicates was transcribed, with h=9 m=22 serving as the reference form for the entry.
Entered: h=1 m=52
